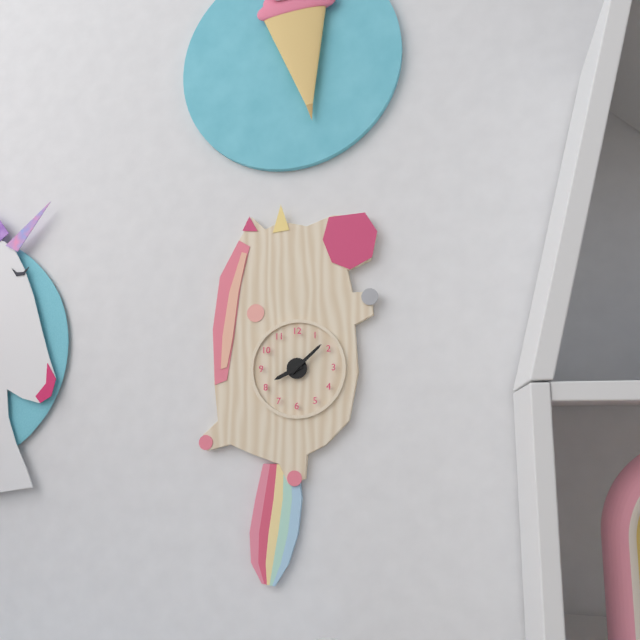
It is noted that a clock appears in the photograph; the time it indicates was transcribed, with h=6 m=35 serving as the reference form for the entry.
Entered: h=8 m=8
